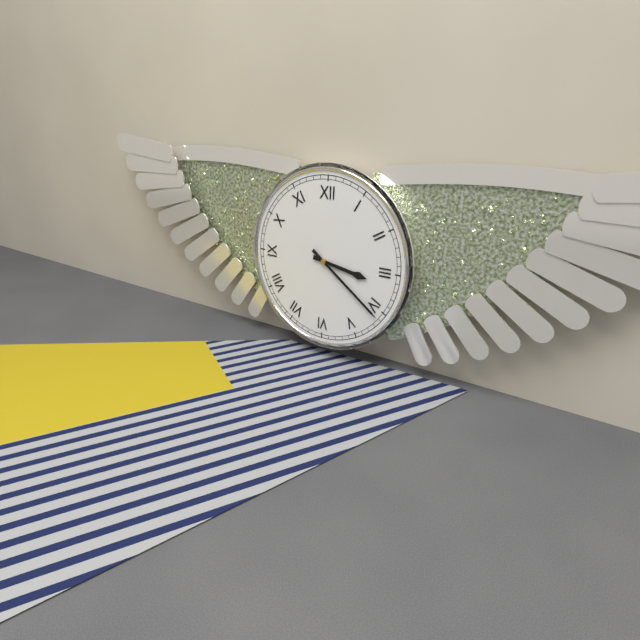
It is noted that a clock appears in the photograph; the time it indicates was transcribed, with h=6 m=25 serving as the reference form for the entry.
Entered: h=3 m=21
